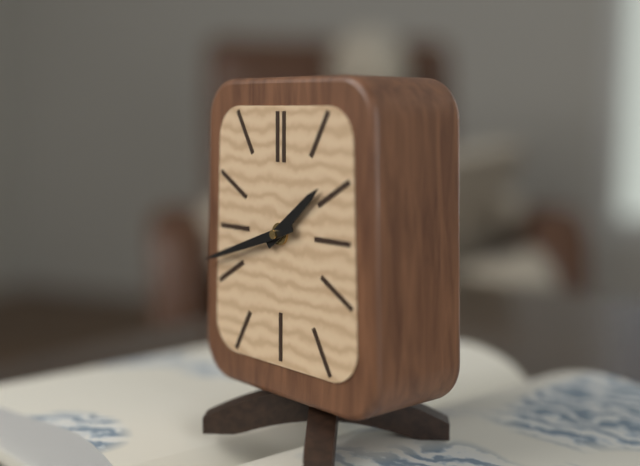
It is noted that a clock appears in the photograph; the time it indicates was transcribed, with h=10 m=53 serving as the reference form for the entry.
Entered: h=1 m=42
